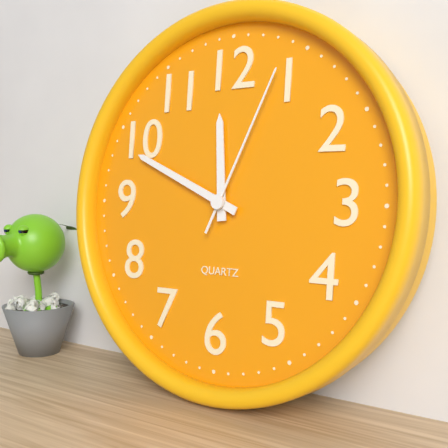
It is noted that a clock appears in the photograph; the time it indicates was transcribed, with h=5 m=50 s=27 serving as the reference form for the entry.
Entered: h=11 m=49 s=4
